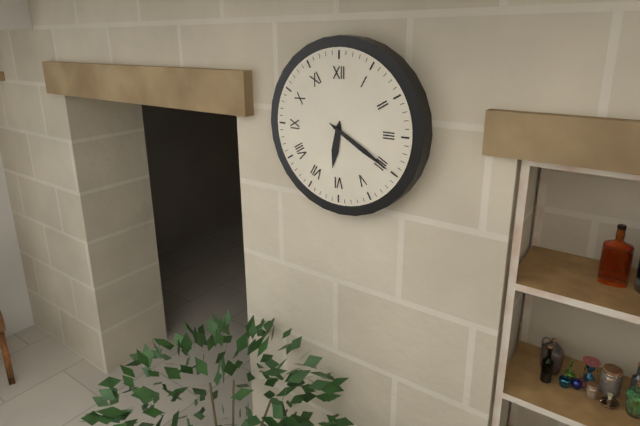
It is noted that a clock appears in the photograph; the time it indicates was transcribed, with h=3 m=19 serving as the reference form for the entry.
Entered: h=6 m=20
